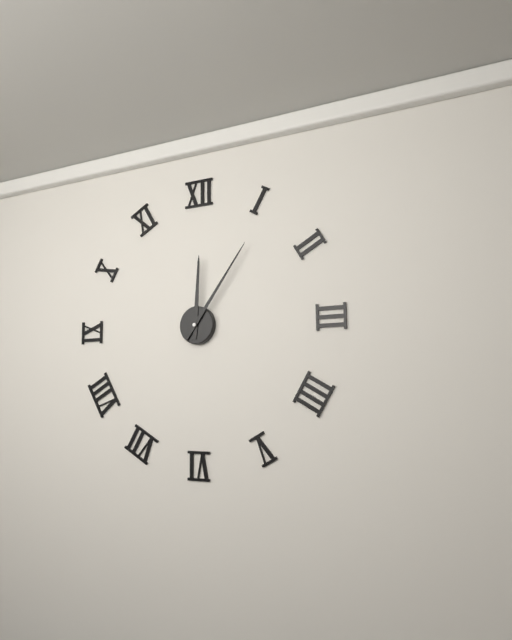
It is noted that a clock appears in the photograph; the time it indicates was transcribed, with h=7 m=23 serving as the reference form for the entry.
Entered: h=12 m=6
